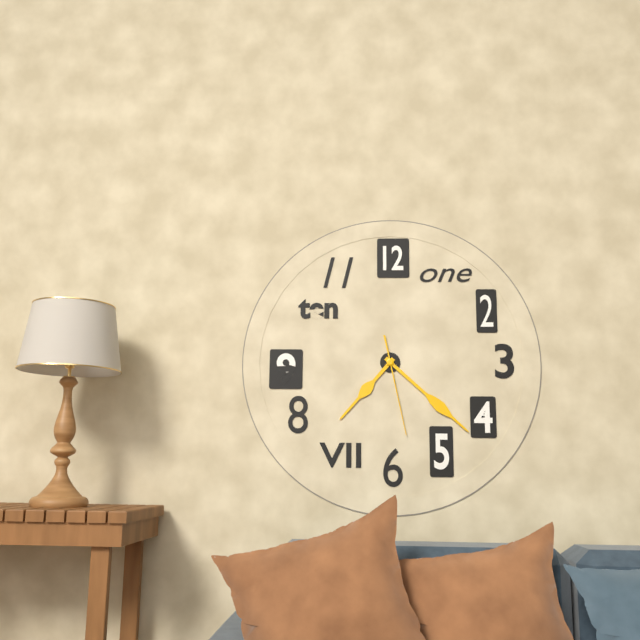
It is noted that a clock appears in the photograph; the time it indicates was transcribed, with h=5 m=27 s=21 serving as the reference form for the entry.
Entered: h=7 m=22 s=28
